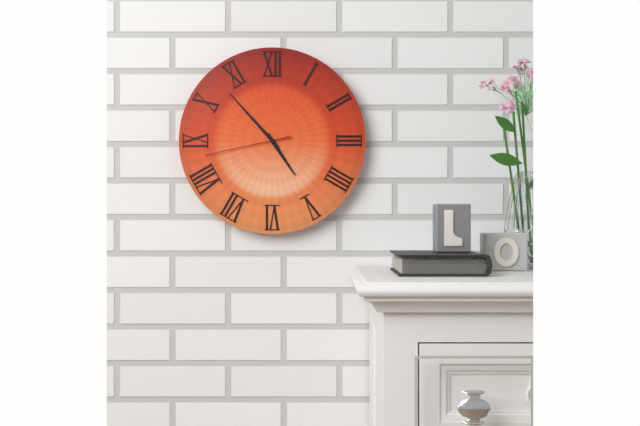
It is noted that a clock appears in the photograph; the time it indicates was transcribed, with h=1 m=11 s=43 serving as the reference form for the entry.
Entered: h=4 m=53 s=43
